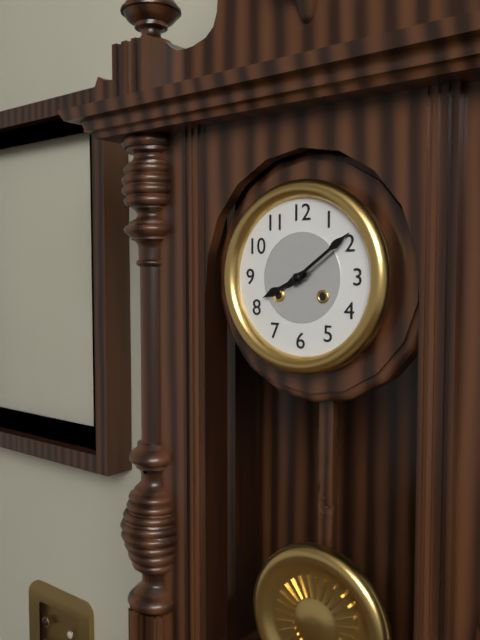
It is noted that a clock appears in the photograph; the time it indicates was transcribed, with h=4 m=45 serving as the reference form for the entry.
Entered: h=8 m=9
